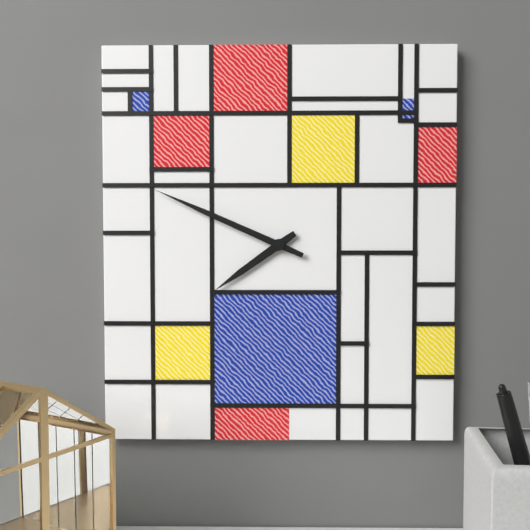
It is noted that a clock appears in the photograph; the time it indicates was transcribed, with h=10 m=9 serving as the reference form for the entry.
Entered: h=7 m=49
